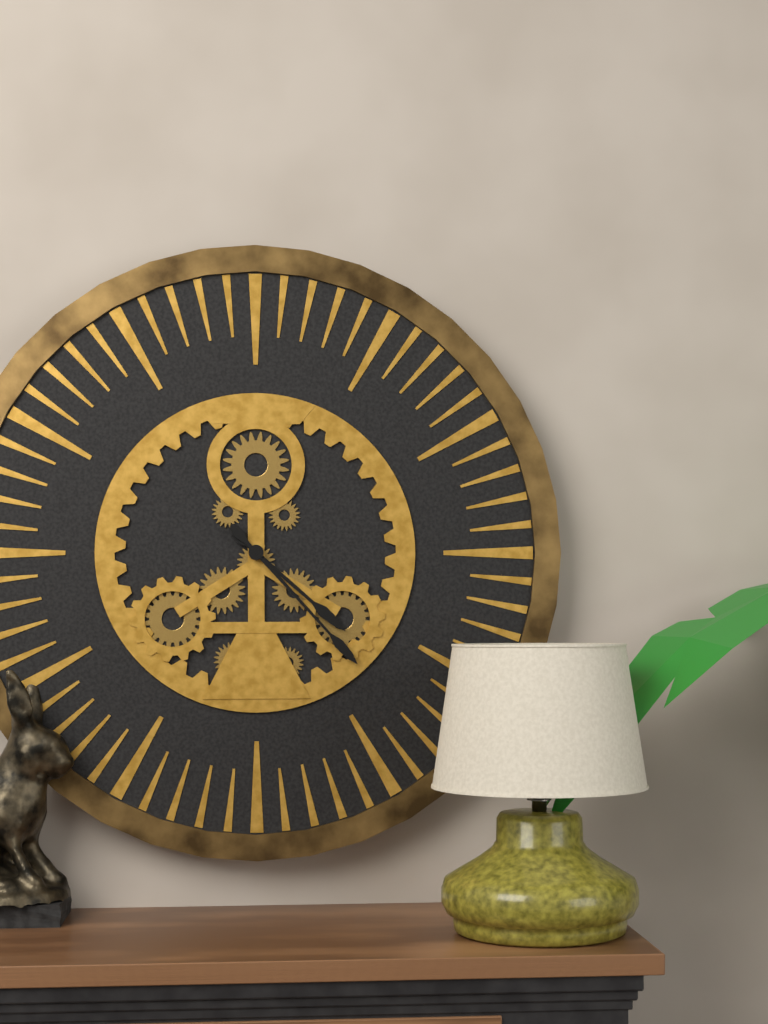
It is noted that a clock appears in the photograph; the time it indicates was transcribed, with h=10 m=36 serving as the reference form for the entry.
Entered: h=4 m=23
